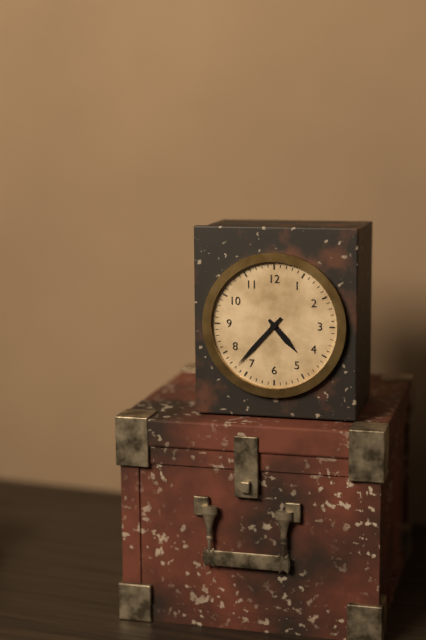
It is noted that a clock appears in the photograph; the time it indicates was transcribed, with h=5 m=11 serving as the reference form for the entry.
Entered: h=4 m=37
